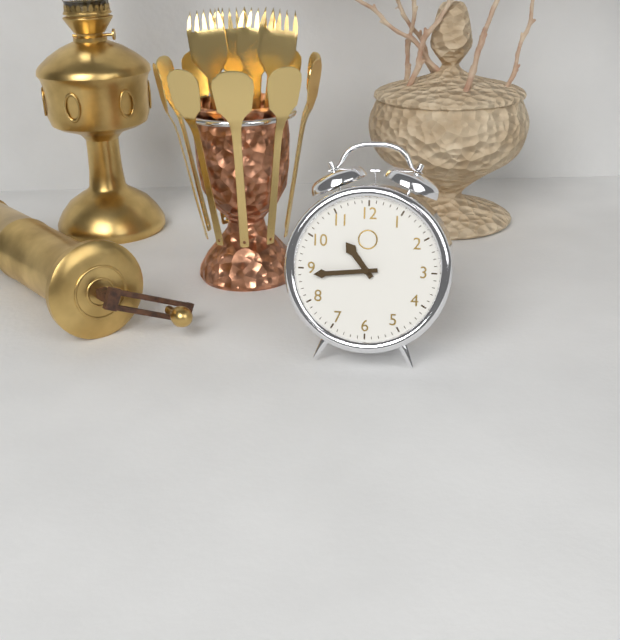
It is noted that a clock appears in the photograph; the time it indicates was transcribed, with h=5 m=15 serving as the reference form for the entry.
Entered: h=10 m=44
